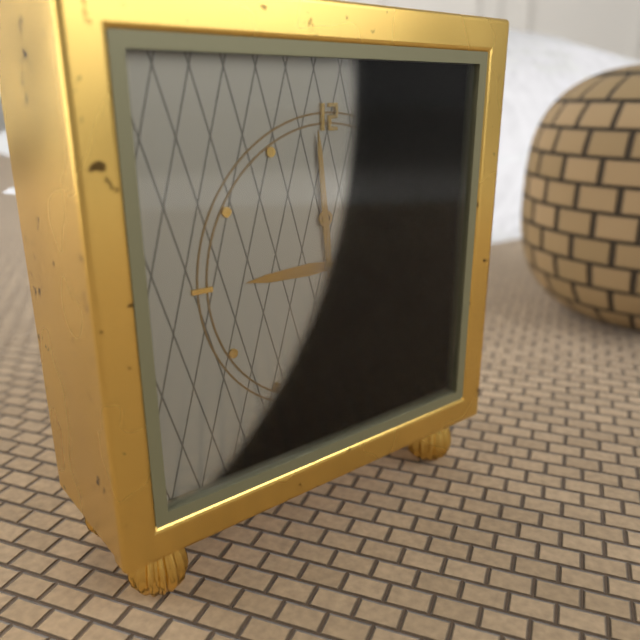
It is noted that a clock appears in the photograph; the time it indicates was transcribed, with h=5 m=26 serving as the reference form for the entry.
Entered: h=8 m=59
